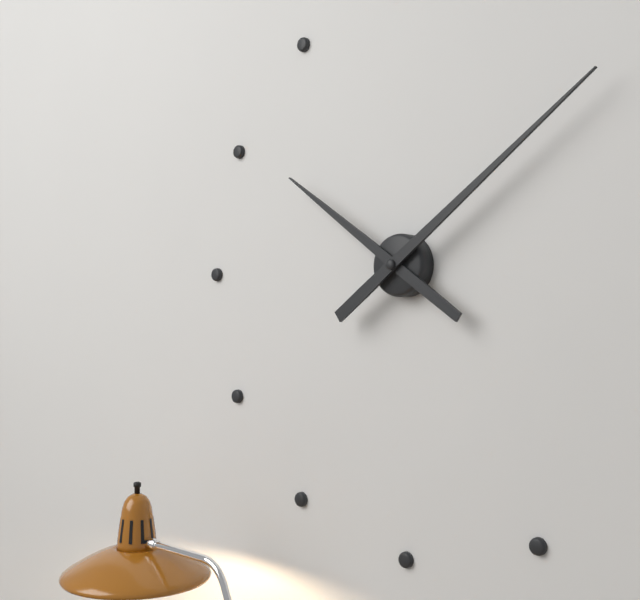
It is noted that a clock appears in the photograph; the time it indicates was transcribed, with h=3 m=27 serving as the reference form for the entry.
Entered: h=10 m=9
